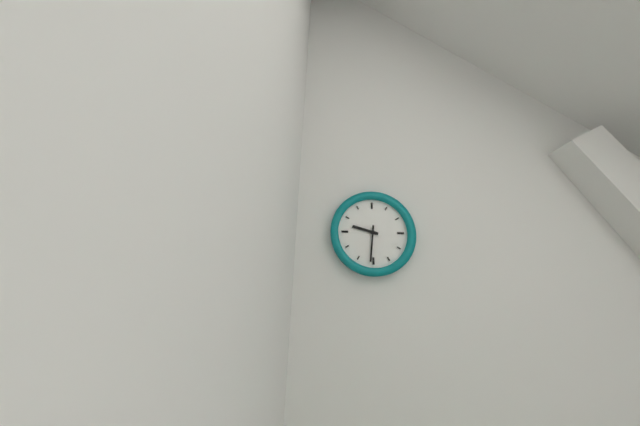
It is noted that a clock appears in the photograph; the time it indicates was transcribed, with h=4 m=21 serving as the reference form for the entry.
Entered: h=9 m=31
